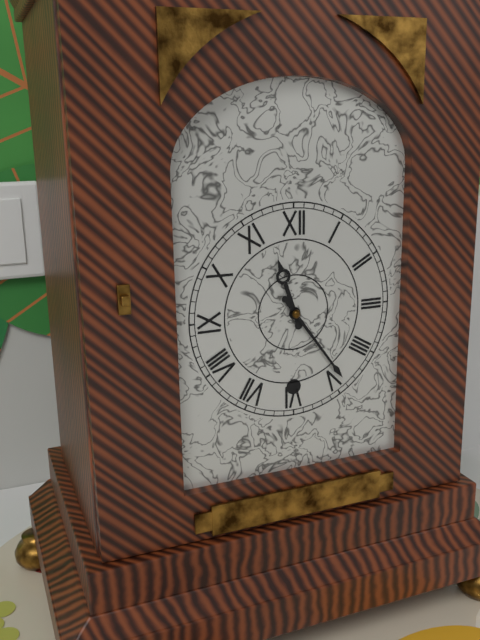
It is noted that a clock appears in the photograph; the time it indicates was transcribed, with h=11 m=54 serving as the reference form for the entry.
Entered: h=11 m=24
